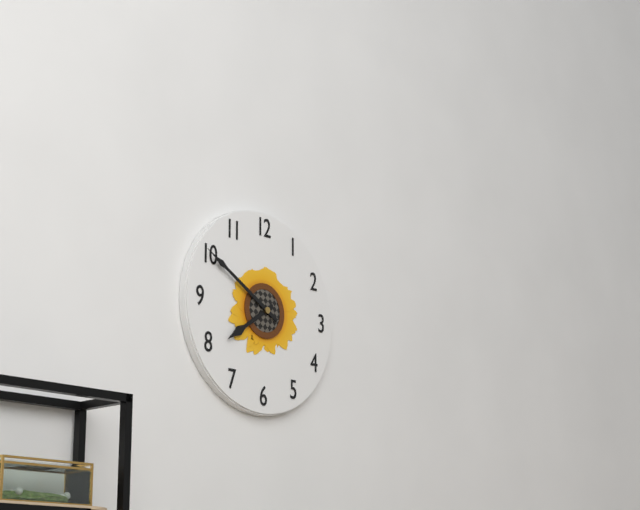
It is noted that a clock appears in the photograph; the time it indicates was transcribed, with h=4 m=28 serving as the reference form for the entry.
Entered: h=7 m=50
